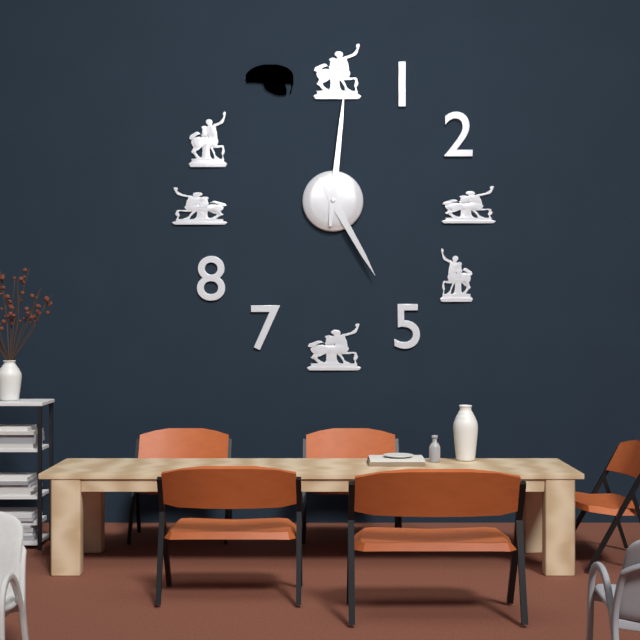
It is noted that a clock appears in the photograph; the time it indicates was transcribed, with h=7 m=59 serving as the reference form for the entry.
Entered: h=5 m=1
